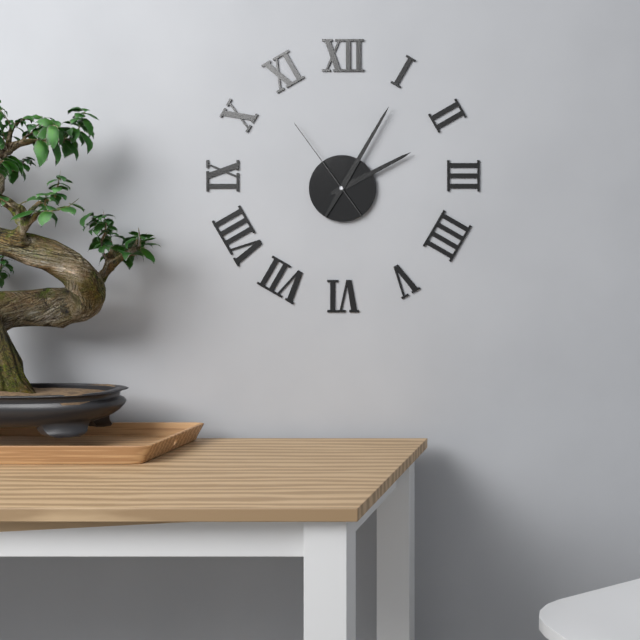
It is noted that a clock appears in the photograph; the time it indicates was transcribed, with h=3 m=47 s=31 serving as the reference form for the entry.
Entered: h=2 m=5 s=54
